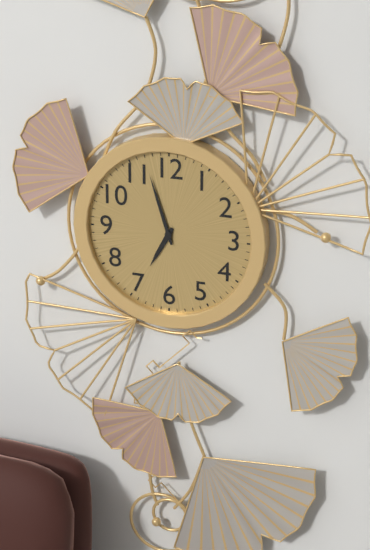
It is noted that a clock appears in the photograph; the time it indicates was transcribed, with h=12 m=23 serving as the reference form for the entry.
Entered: h=6 m=57
